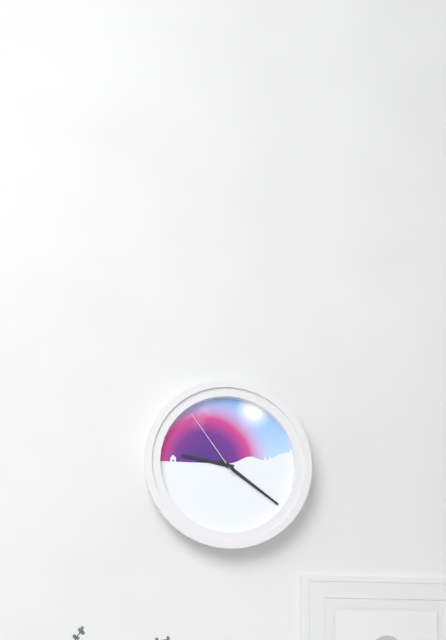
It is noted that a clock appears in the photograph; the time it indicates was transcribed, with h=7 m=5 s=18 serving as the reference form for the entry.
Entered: h=9 m=21 s=54
